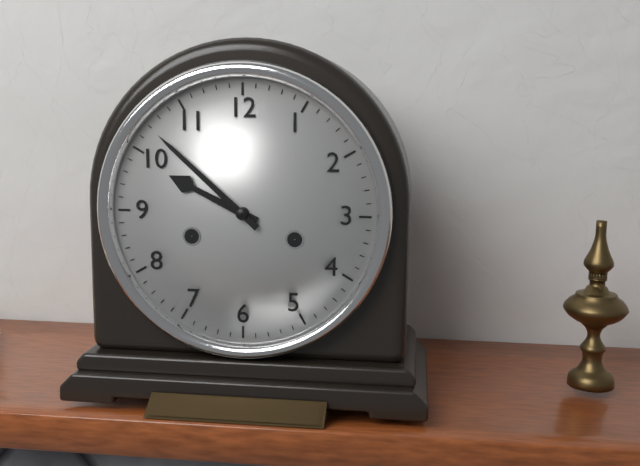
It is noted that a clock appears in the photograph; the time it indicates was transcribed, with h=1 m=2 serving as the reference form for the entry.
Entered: h=9 m=52
